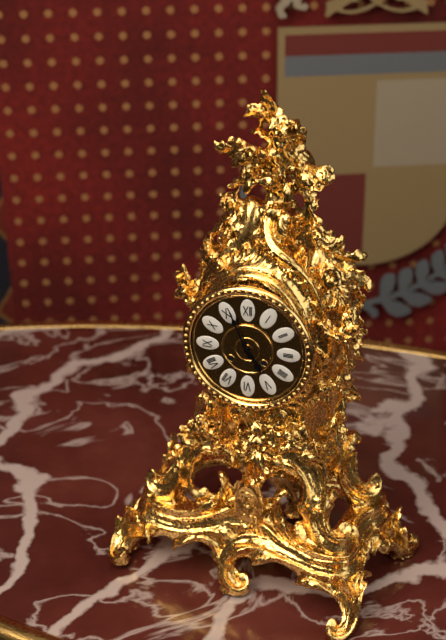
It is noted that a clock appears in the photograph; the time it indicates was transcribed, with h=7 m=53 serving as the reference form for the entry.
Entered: h=4 m=56
